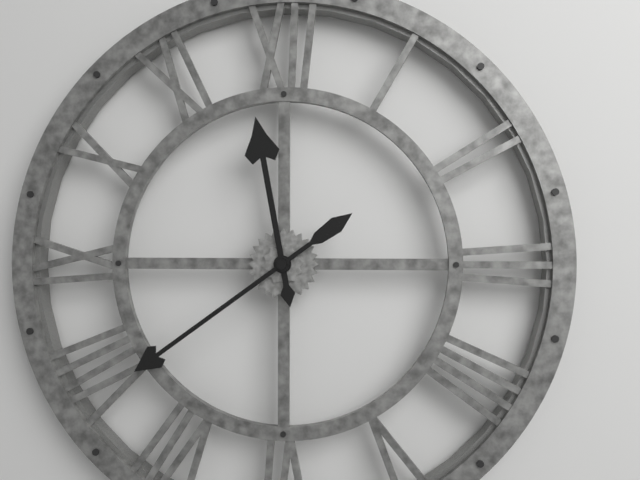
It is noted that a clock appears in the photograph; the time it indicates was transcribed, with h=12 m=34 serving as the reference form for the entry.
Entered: h=11 m=39
